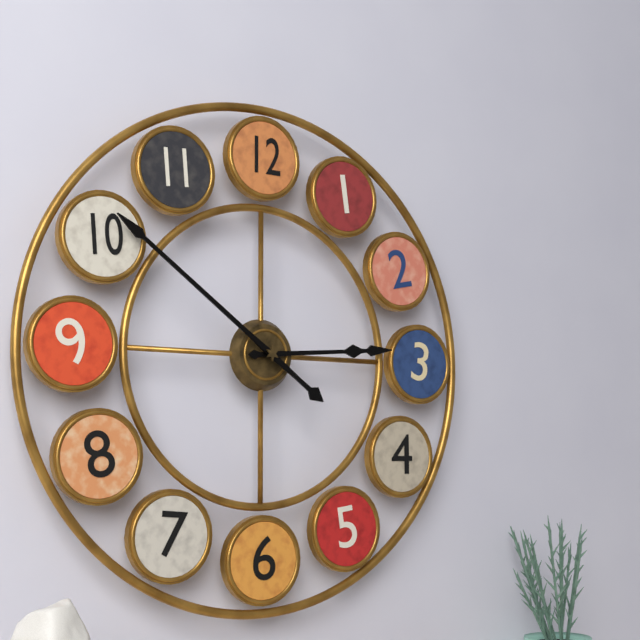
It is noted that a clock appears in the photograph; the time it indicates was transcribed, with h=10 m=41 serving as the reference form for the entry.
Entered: h=2 m=51
